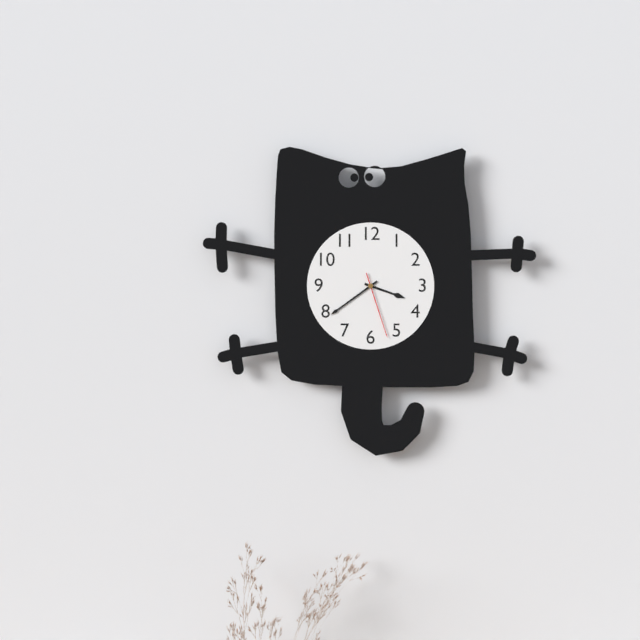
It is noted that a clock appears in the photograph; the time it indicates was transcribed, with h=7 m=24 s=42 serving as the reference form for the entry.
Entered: h=3 m=39 s=27
